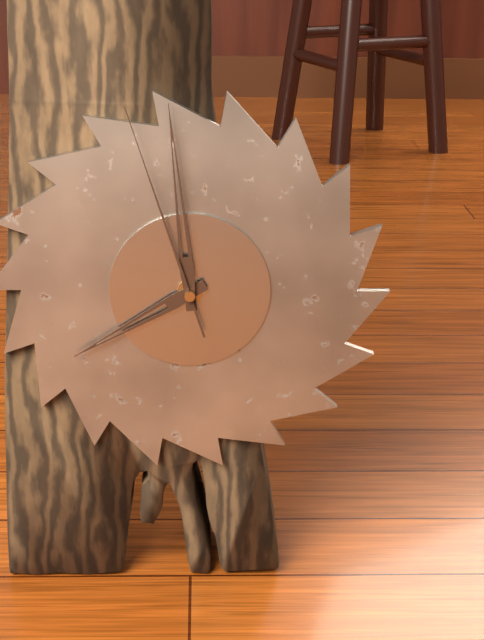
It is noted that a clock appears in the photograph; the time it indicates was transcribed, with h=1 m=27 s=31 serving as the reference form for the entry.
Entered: h=7 m=59 s=57
